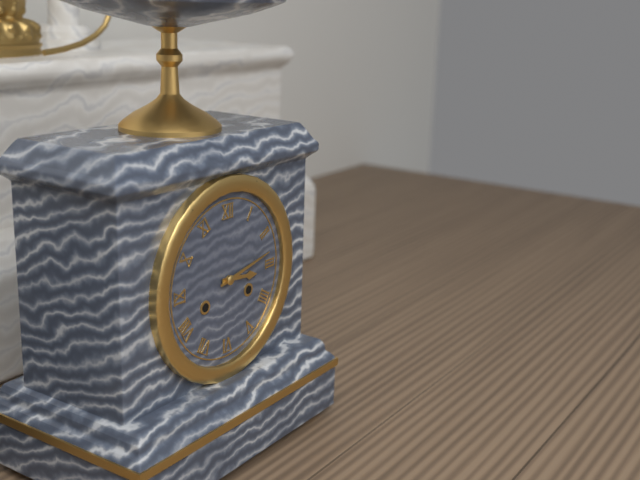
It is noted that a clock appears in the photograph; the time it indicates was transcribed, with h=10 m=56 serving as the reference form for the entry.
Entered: h=3 m=13
